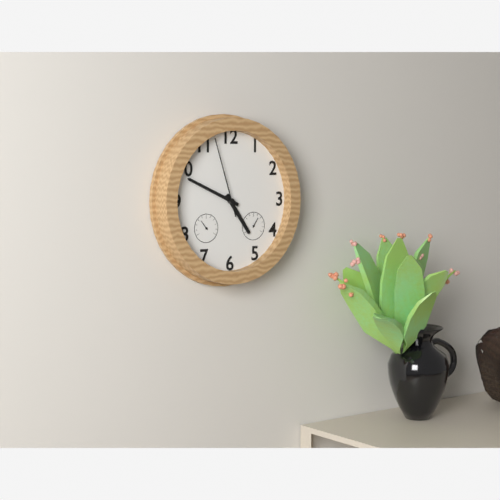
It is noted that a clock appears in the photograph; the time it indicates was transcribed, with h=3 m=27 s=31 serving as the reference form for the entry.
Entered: h=4 m=49 s=57
